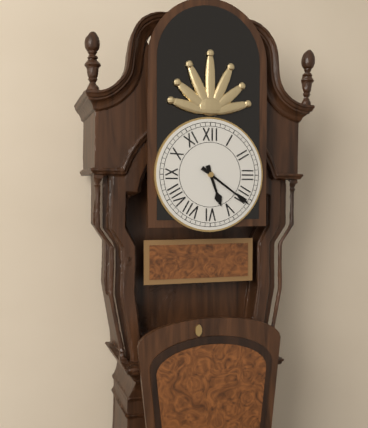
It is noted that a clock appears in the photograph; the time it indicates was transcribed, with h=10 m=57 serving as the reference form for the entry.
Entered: h=5 m=21
